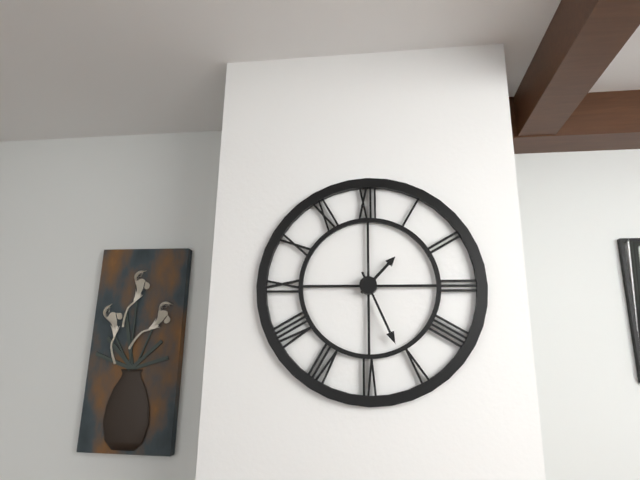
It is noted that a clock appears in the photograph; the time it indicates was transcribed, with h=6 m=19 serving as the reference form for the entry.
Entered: h=1 m=26
